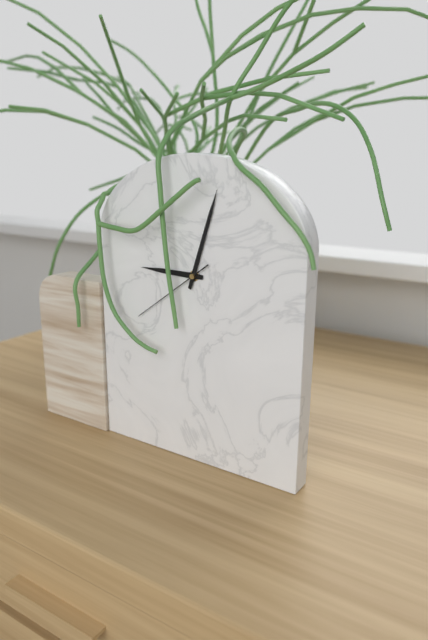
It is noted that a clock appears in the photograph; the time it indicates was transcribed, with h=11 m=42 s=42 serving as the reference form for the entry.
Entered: h=9 m=3 s=39
